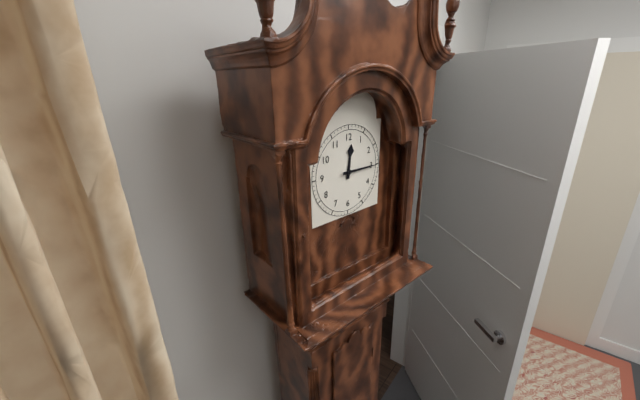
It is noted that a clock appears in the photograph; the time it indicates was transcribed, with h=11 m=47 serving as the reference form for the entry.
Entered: h=12 m=15
